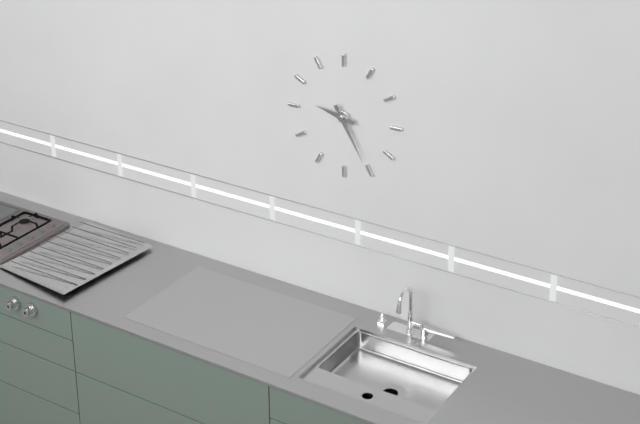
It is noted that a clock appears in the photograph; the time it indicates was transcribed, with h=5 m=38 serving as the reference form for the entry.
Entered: h=9 m=25
